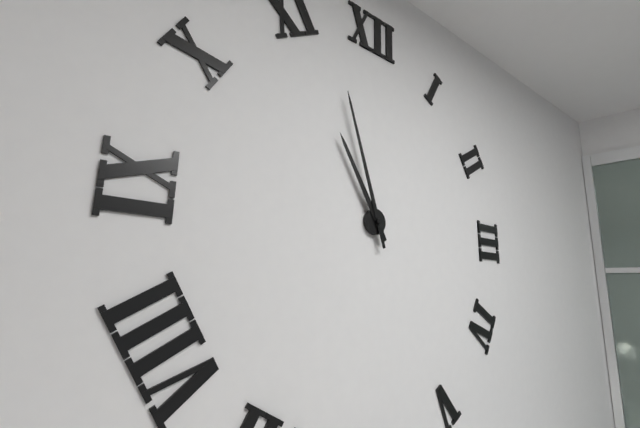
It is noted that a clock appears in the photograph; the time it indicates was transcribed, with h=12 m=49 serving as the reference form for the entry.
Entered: h=10 m=57
